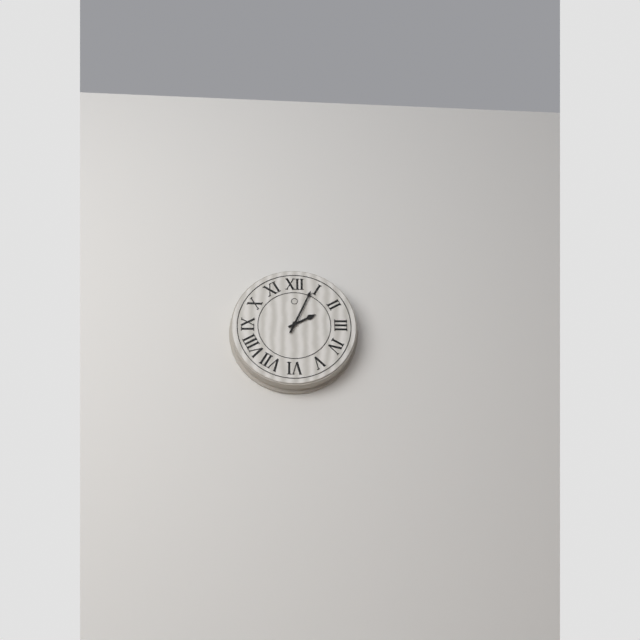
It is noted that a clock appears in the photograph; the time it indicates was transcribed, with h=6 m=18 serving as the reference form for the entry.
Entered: h=2 m=4
